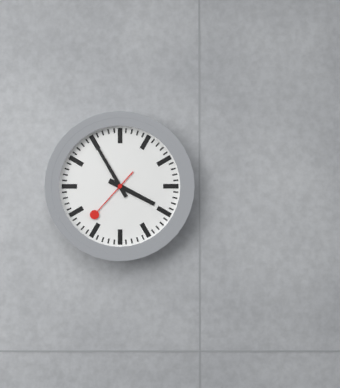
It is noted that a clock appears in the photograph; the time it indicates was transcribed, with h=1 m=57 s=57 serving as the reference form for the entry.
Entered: h=3 m=55 s=37
